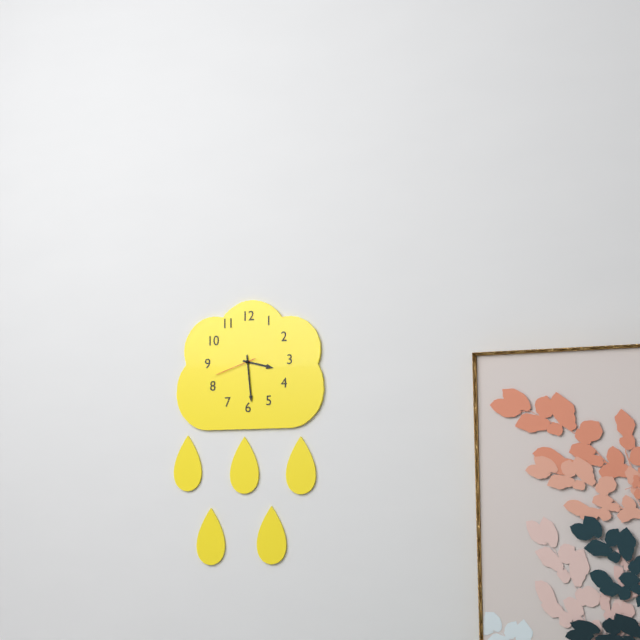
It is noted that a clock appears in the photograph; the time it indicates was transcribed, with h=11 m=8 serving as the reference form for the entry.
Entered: h=3 m=29
